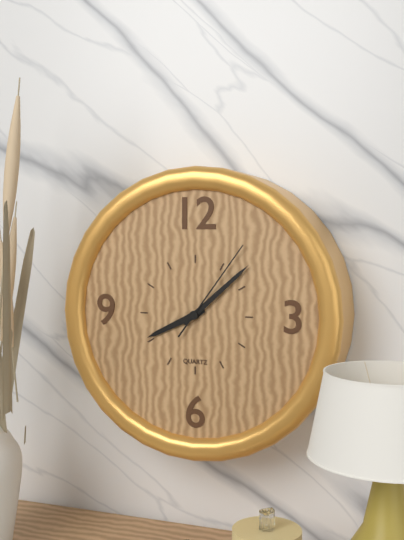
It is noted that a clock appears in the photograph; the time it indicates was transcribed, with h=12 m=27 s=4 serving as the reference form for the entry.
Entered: h=8 m=8 s=6
